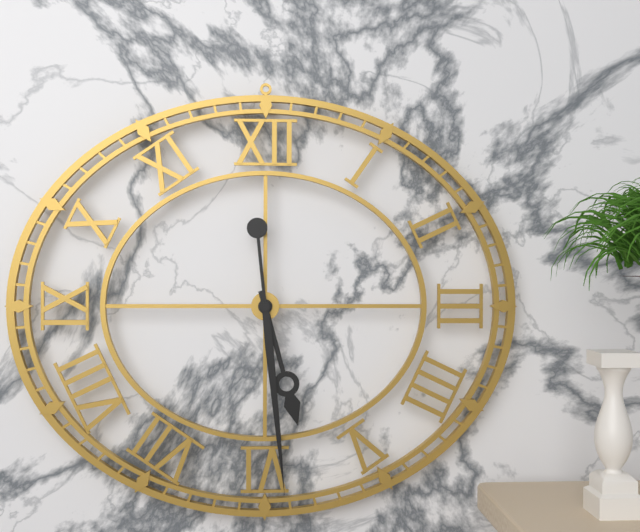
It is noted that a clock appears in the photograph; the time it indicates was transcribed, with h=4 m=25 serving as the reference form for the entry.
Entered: h=5 m=29
